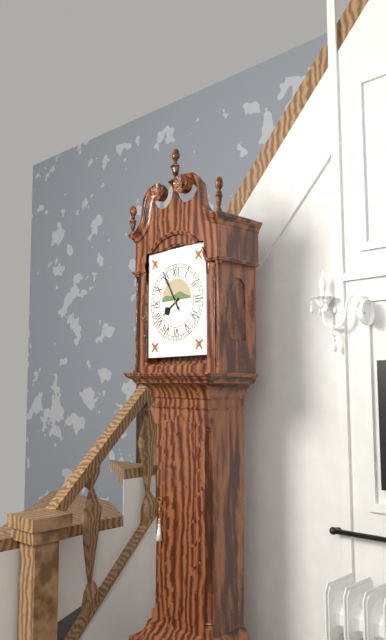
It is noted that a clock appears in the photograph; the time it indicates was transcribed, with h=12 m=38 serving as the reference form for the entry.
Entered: h=7 m=55
